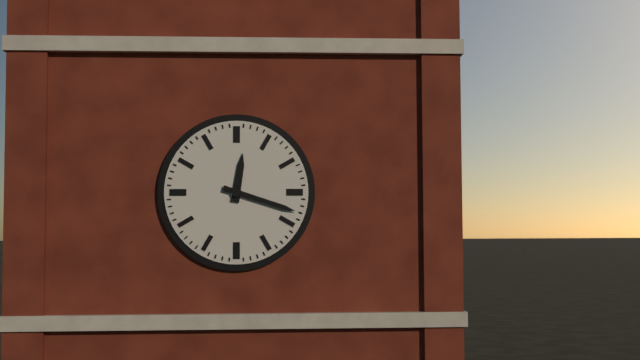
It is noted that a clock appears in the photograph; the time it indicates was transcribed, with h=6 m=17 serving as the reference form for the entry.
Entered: h=12 m=18
